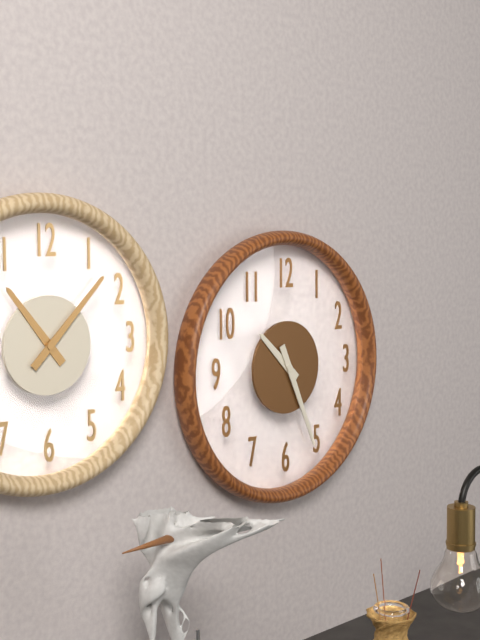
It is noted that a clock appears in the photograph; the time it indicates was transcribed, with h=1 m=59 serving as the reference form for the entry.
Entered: h=10 m=26
